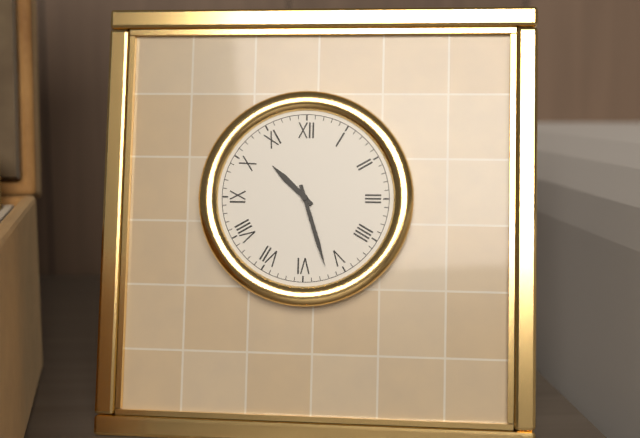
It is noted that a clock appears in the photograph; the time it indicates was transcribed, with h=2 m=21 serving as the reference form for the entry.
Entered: h=10 m=27
